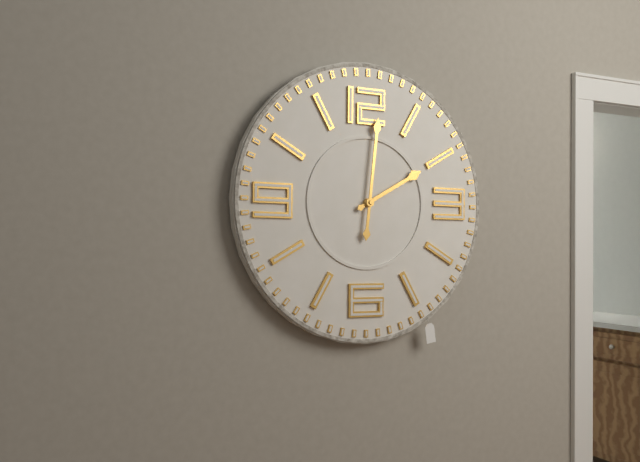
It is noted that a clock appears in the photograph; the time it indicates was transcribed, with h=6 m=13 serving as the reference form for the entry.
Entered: h=2 m=1
